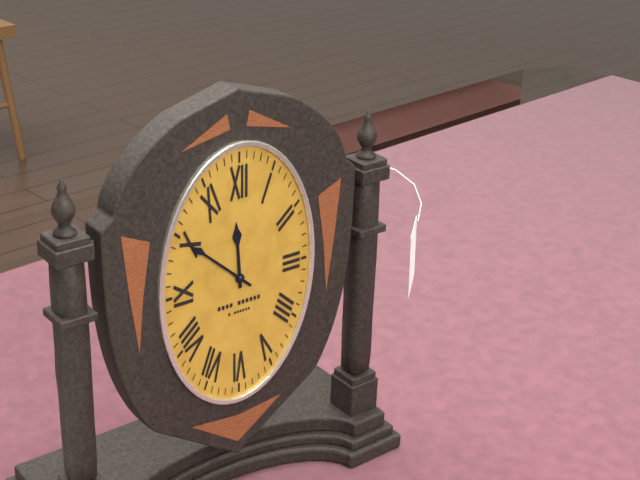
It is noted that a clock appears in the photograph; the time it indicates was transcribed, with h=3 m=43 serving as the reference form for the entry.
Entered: h=11 m=52
